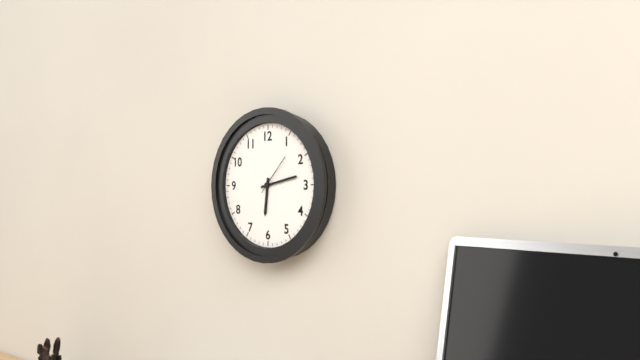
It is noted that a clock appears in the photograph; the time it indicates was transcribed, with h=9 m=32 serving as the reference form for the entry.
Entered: h=6 m=13
